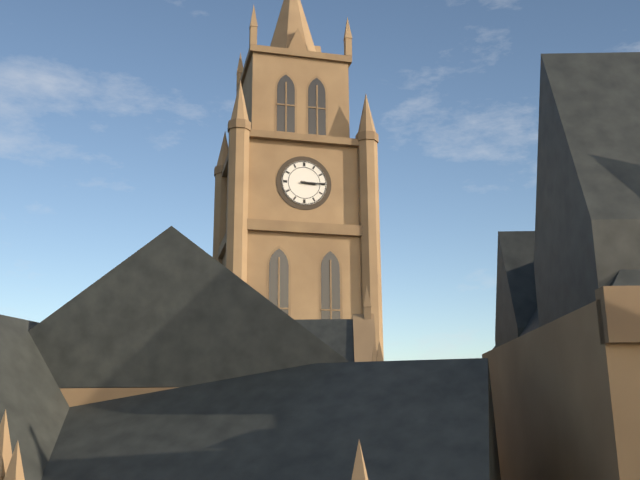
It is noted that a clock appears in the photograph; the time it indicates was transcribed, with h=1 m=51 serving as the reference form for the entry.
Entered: h=3 m=15
